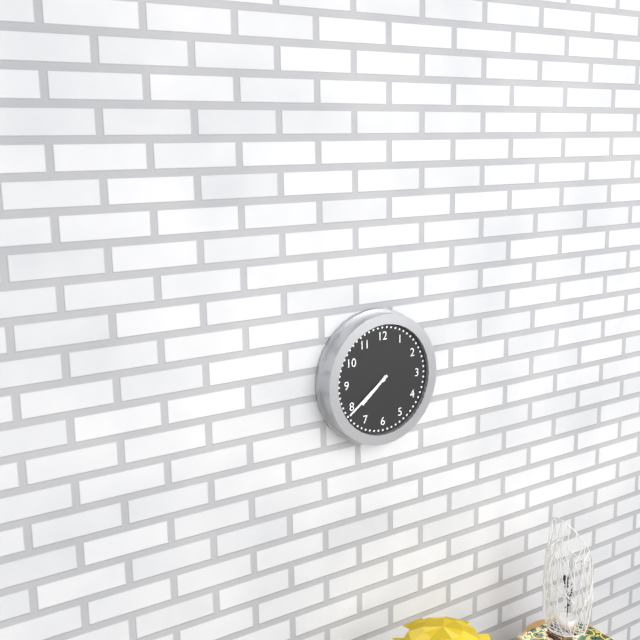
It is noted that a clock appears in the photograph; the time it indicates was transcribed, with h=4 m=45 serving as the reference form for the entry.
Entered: h=7 m=39
